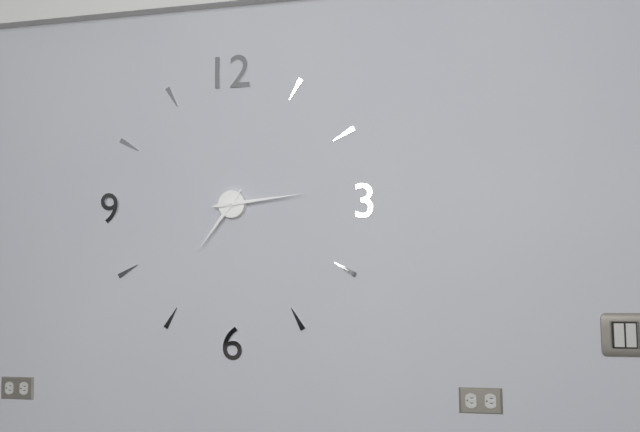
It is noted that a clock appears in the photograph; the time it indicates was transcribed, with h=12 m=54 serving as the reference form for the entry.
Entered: h=7 m=14
